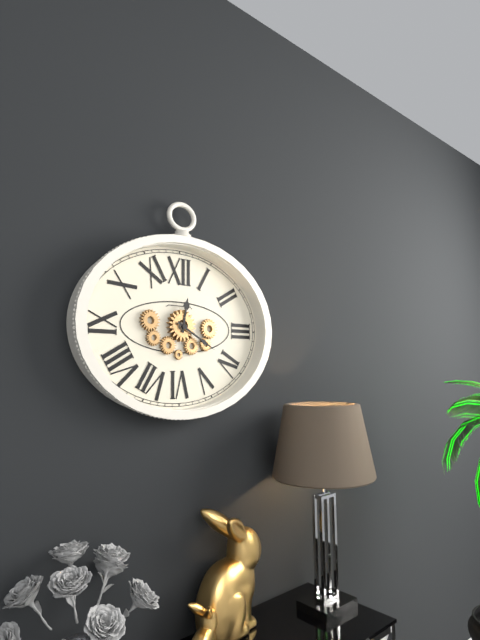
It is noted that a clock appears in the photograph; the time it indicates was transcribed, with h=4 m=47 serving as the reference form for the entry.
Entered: h=12 m=20
